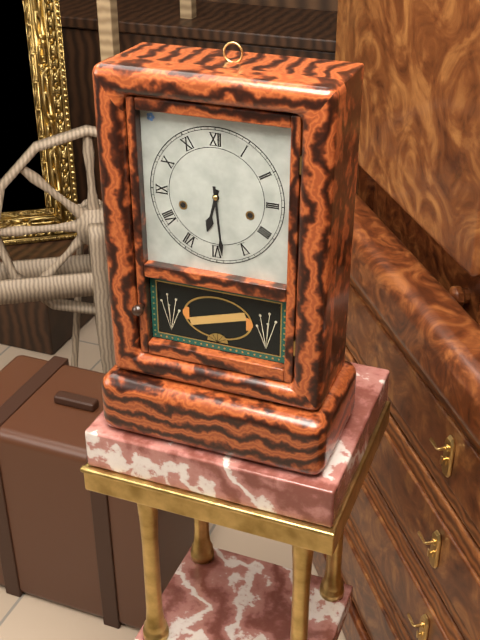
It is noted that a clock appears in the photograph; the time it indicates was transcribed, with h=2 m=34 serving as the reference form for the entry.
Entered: h=6 m=29
